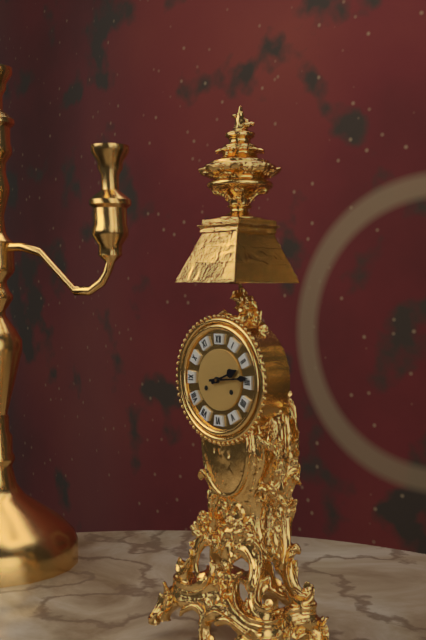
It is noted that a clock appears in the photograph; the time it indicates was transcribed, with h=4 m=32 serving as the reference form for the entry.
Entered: h=2 m=14
